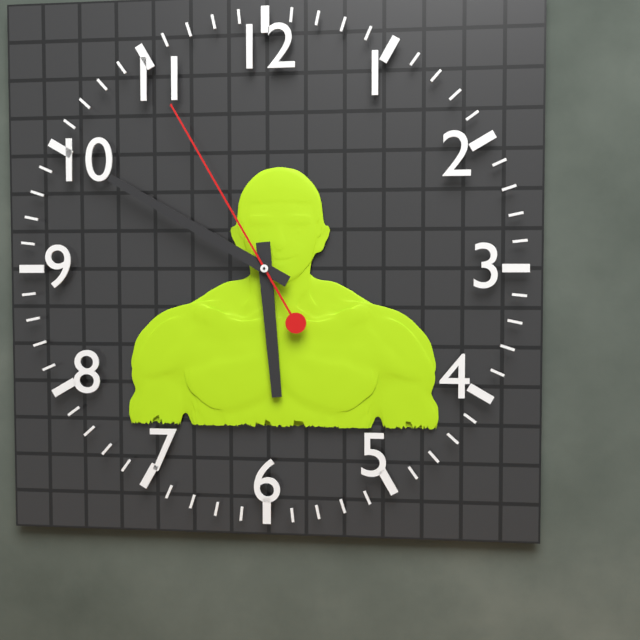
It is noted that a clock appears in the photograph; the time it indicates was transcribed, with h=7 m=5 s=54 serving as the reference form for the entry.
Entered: h=5 m=50 s=55
